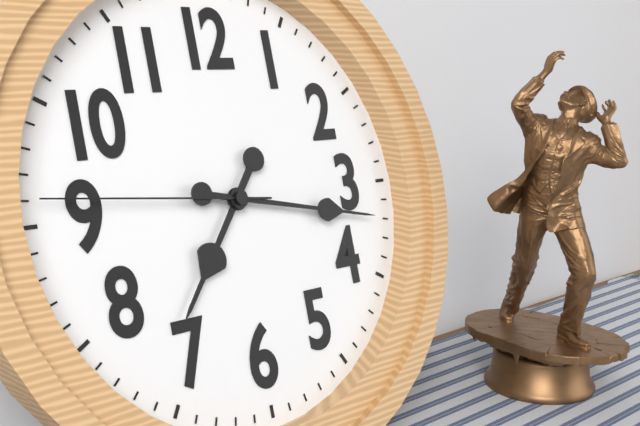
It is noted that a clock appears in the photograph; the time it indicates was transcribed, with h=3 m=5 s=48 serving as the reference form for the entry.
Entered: h=7 m=17 s=46
